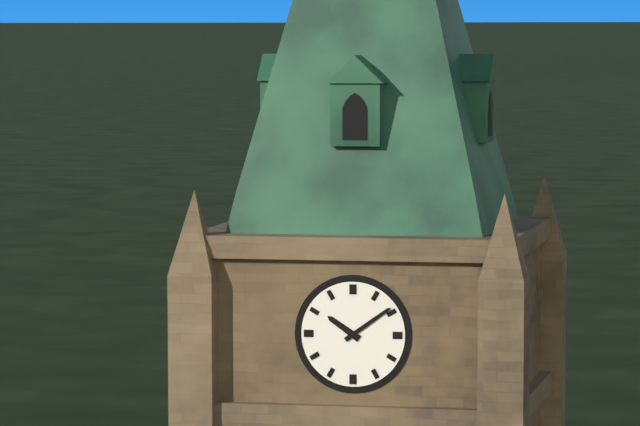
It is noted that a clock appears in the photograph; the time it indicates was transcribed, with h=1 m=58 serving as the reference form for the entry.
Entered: h=10 m=9
